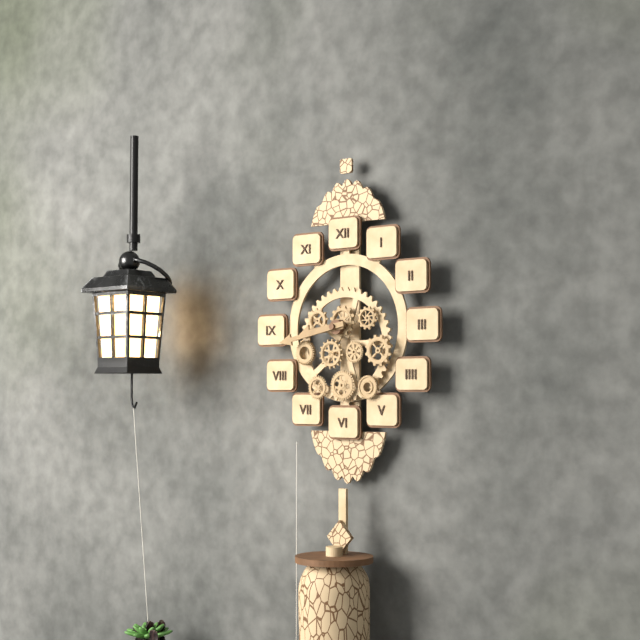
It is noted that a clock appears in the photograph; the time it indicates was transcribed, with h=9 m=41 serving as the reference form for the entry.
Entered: h=8 m=43
